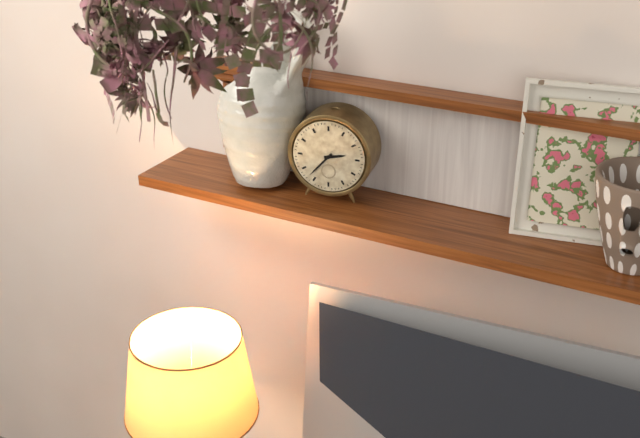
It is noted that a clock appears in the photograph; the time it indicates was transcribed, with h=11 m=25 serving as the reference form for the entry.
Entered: h=2 m=37
